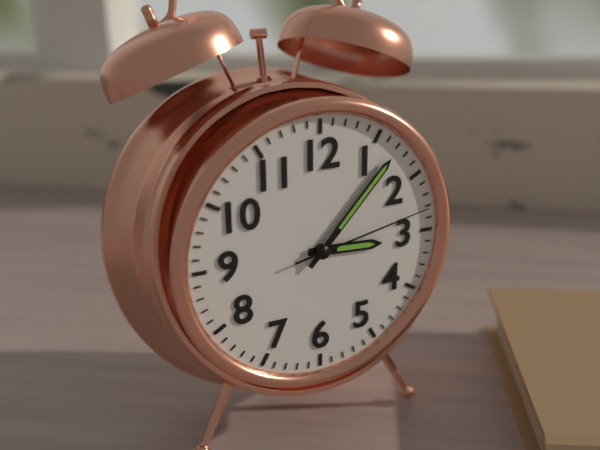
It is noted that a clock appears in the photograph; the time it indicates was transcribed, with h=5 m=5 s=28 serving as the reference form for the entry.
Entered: h=3 m=7 s=13
